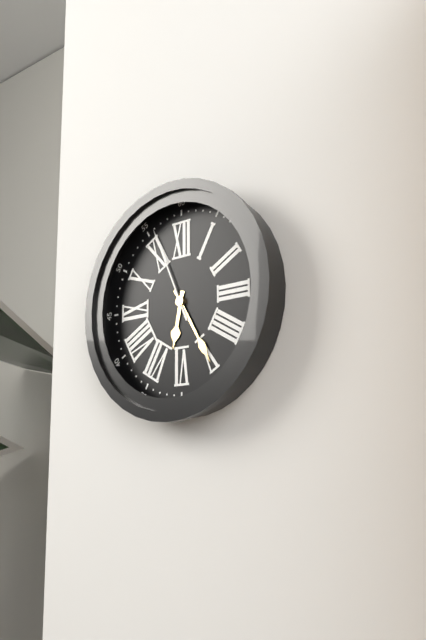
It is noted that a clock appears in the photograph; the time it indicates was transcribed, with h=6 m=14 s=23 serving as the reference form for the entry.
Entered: h=6 m=25 s=56
